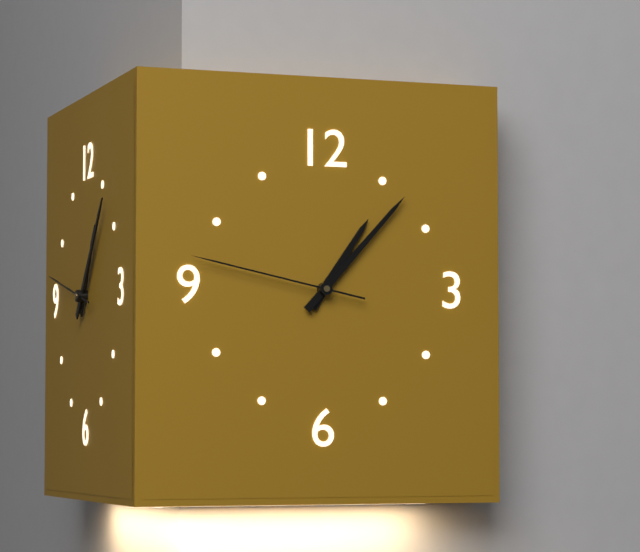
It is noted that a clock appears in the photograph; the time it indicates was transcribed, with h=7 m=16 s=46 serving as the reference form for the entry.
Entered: h=1 m=7 s=47
